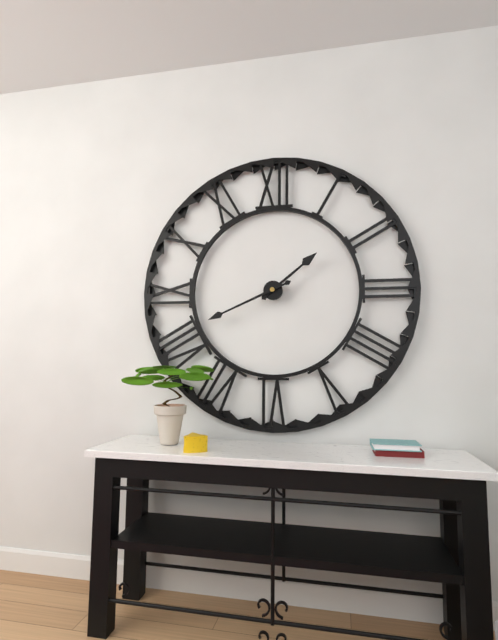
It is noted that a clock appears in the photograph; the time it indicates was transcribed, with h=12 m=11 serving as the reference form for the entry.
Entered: h=1 m=41
